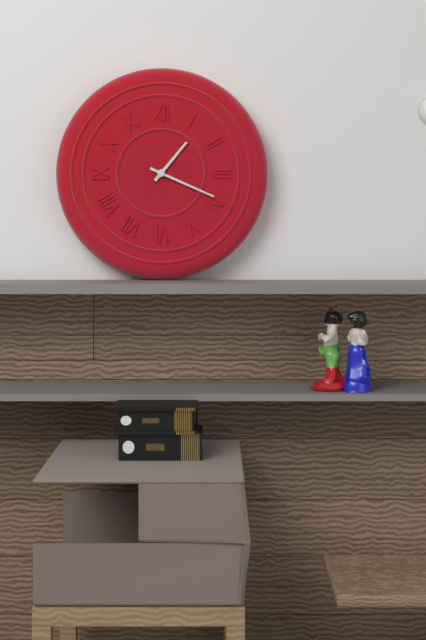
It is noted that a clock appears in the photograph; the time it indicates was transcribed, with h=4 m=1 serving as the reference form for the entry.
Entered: h=1 m=19
